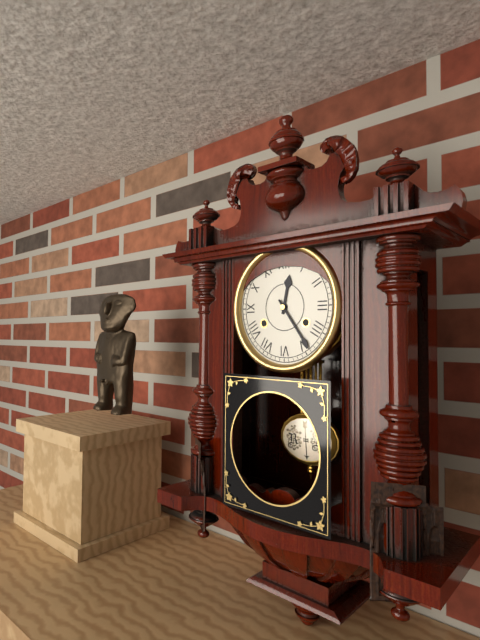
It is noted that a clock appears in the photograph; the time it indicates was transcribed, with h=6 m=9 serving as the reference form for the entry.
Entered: h=12 m=24
